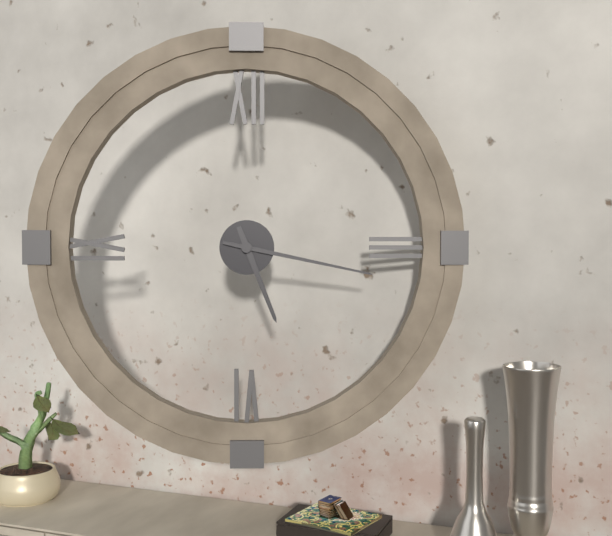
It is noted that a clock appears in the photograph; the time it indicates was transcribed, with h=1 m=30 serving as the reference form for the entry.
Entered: h=5 m=17
